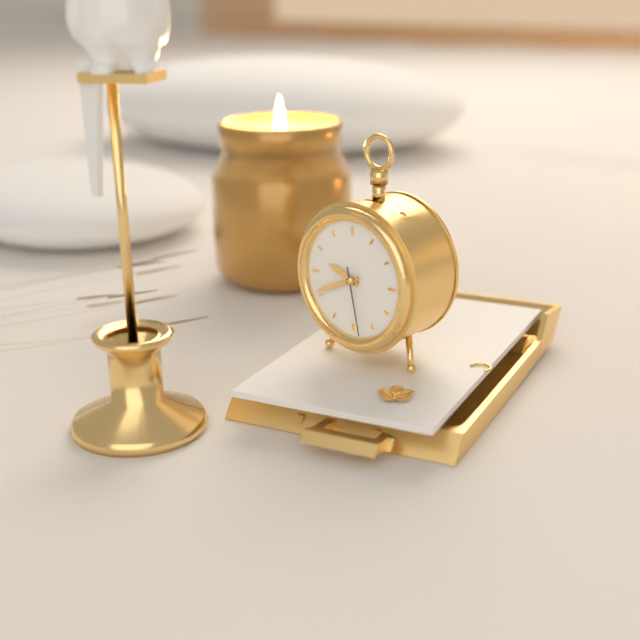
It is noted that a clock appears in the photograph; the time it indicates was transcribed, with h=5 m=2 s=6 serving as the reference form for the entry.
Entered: h=9 m=41 s=28
